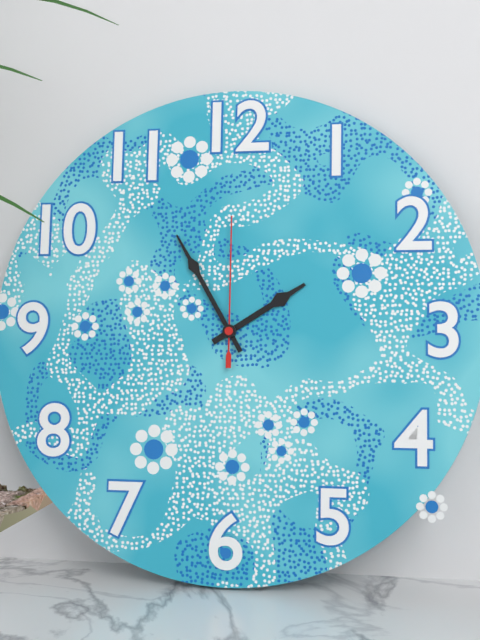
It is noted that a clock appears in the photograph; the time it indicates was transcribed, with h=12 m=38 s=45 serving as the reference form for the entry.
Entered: h=1 m=55 s=0
